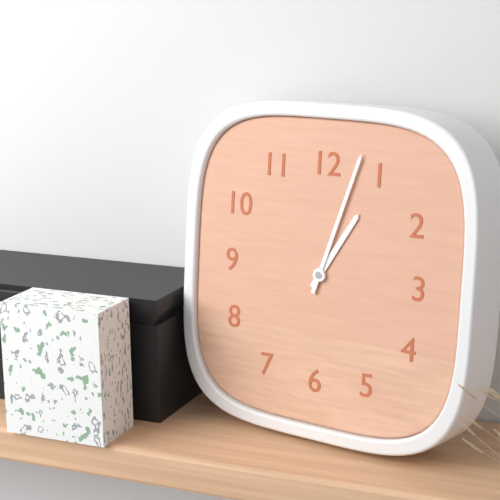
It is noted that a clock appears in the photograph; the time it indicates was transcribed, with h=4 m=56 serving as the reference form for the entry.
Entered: h=1 m=3
